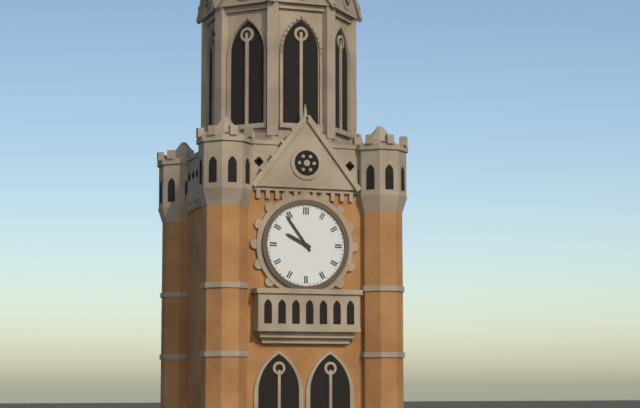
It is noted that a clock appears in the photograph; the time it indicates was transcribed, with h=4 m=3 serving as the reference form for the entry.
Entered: h=9 m=54
